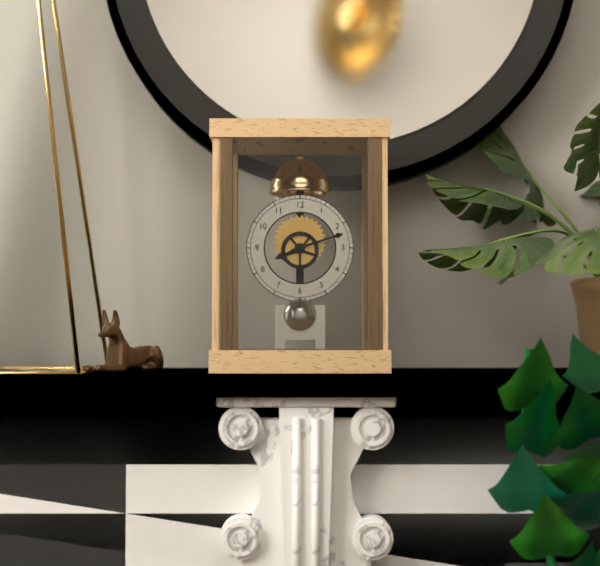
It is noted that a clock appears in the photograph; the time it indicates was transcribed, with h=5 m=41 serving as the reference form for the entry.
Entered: h=8 m=12
